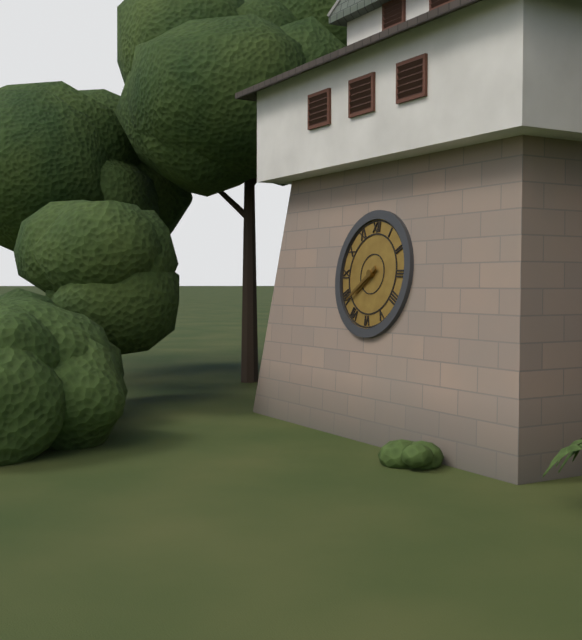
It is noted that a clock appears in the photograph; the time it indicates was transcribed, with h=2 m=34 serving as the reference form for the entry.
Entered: h=7 m=39
